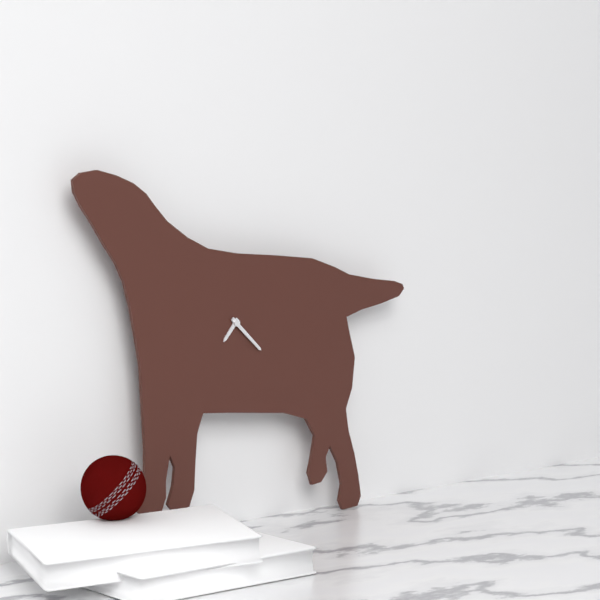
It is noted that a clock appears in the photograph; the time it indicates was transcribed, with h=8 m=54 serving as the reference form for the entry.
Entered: h=7 m=22
